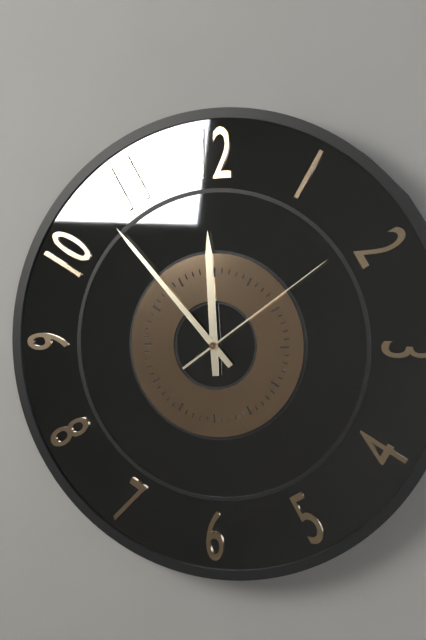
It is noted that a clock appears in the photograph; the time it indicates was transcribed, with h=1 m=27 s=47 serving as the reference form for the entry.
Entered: h=11 m=53 s=9
